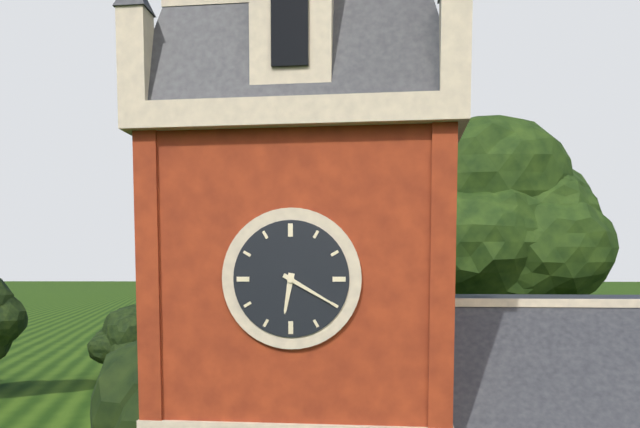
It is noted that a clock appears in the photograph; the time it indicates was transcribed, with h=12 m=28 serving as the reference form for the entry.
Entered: h=6 m=20
